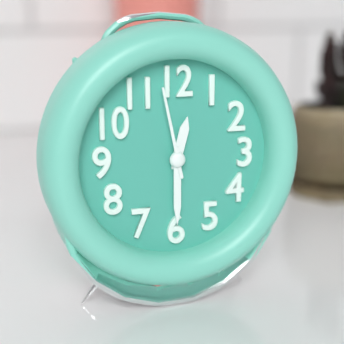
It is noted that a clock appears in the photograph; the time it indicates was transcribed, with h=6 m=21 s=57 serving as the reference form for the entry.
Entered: h=12 m=30 s=58
